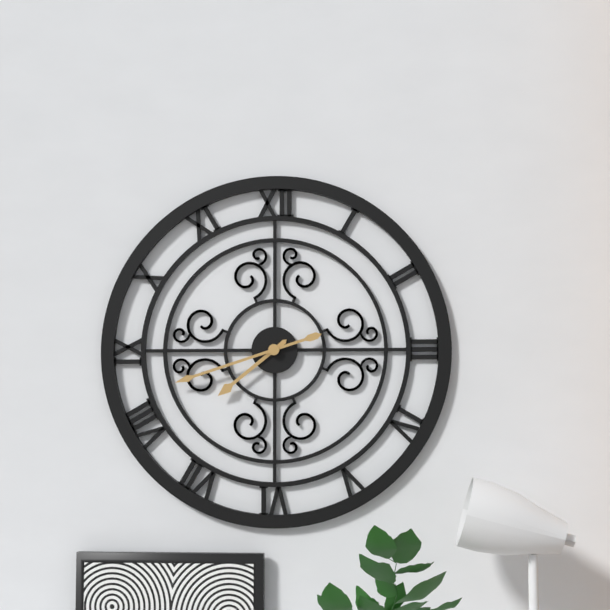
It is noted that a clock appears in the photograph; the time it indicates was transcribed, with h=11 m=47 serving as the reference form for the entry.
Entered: h=7 m=42
